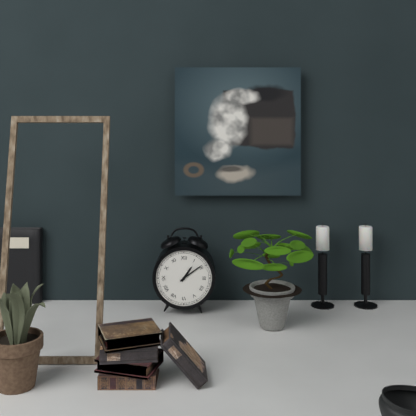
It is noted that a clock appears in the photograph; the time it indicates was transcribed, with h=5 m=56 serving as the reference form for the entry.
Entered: h=1 m=9
